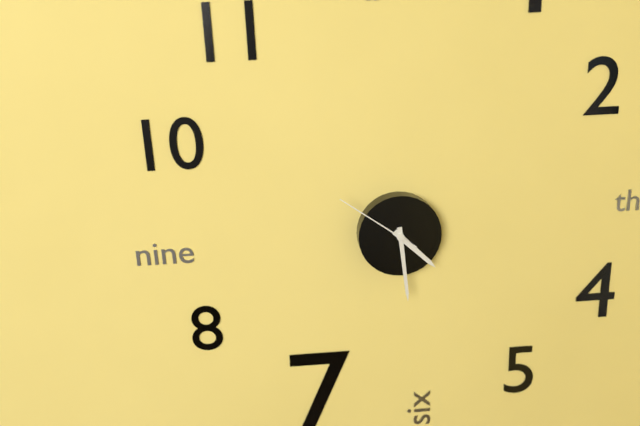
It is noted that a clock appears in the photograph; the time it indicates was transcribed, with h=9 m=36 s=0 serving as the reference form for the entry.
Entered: h=4 m=29 s=51
